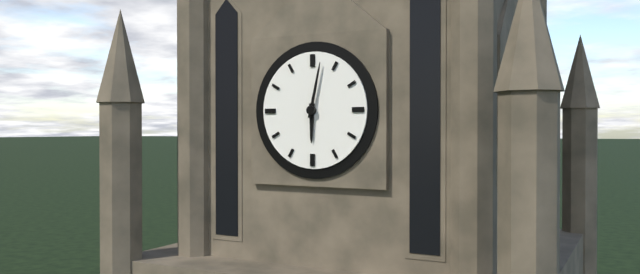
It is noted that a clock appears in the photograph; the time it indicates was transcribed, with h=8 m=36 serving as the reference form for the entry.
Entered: h=6 m=2
